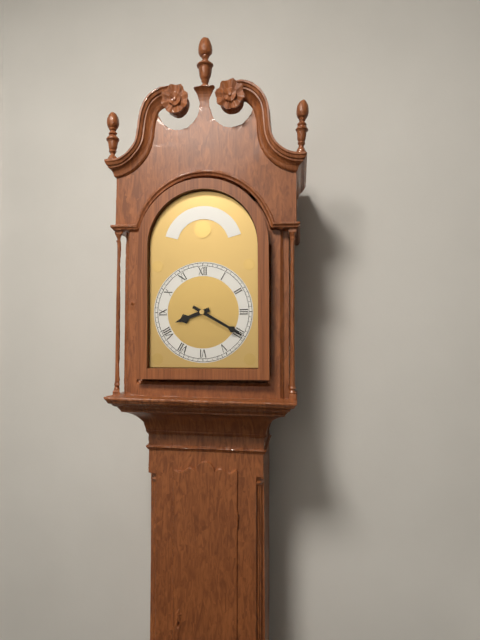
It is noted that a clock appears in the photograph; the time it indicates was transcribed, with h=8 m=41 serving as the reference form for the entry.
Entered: h=8 m=20
